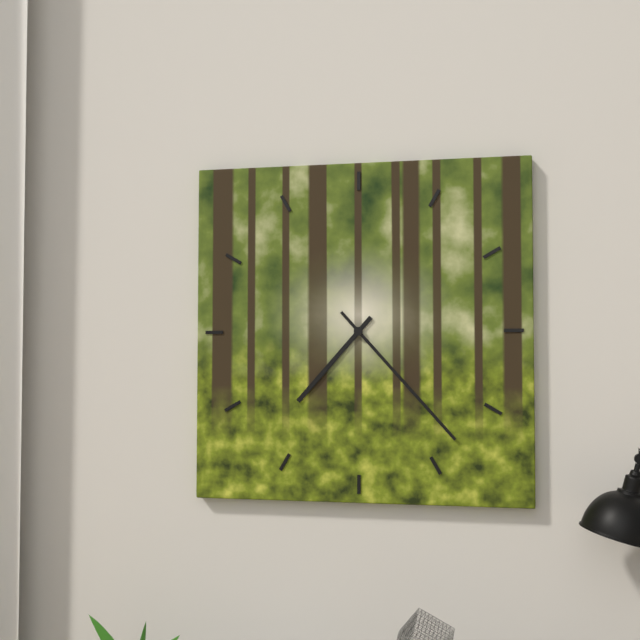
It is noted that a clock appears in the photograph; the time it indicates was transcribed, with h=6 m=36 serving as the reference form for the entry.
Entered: h=7 m=23
